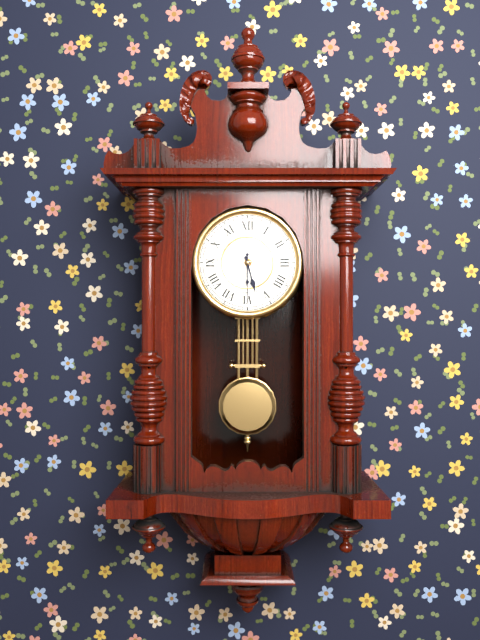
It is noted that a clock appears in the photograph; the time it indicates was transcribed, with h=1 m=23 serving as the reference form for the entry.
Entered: h=5 m=30
